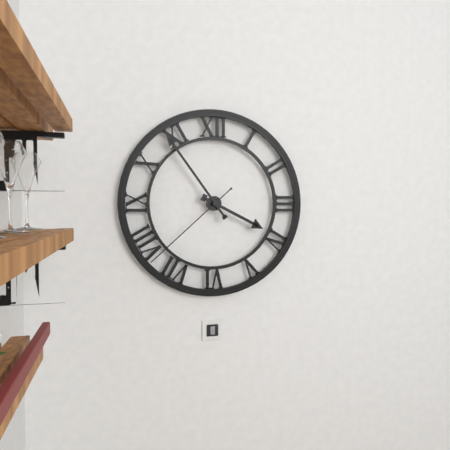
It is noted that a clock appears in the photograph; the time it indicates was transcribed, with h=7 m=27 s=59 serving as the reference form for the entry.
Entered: h=3 m=54 s=38
